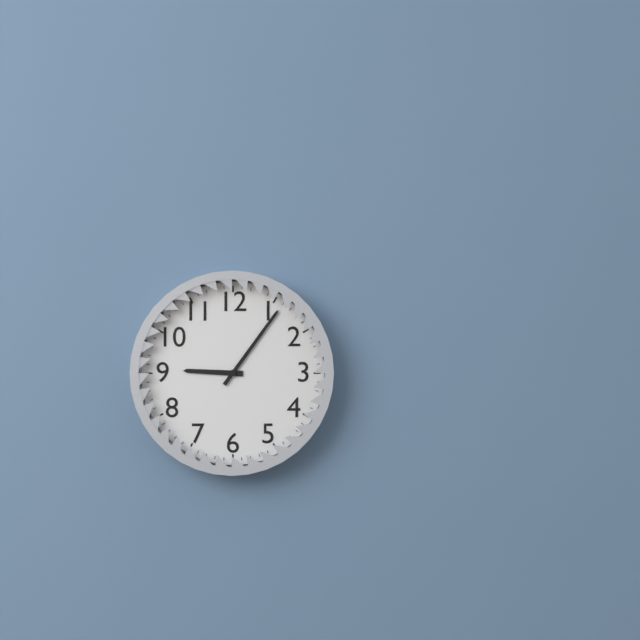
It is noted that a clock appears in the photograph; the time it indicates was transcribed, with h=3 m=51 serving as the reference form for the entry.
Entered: h=9 m=6
